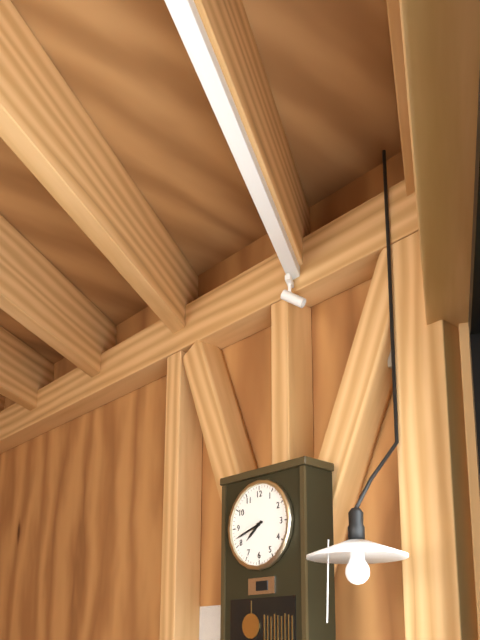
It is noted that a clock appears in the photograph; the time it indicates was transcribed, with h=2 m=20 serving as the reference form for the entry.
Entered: h=7 m=42
